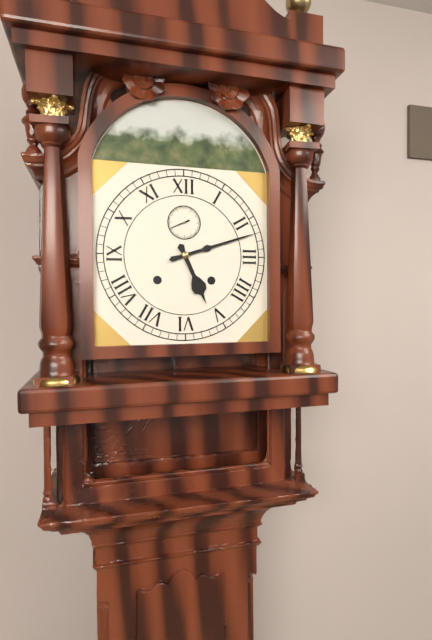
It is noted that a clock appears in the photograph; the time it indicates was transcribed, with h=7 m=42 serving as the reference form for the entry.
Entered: h=5 m=12
